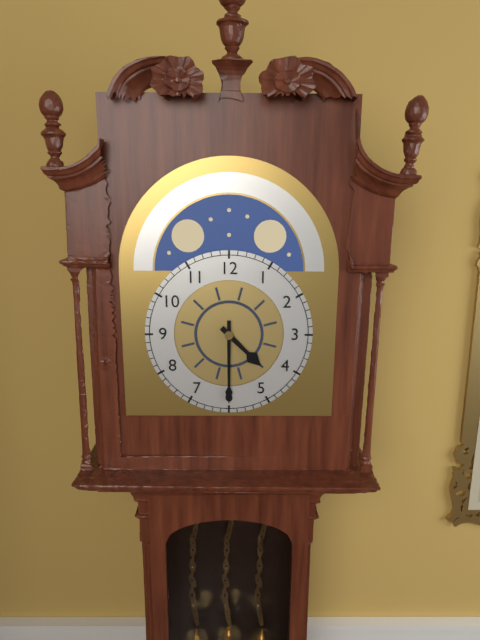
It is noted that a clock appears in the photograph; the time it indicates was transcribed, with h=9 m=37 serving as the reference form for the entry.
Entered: h=4 m=30
